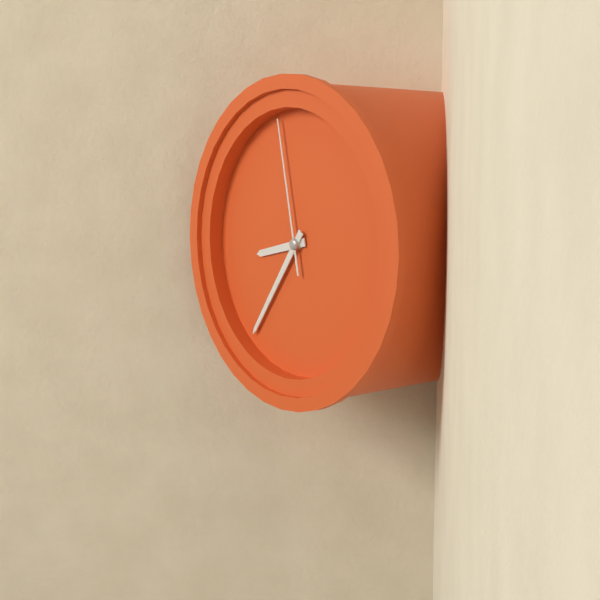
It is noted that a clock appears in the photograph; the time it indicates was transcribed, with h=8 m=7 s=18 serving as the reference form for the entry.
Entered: h=8 m=36 s=58
